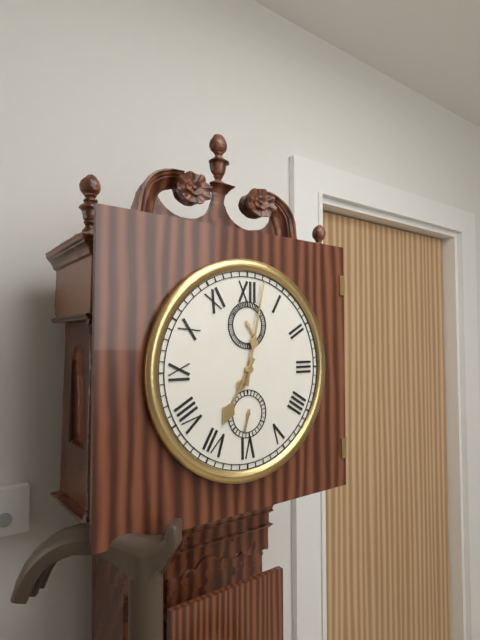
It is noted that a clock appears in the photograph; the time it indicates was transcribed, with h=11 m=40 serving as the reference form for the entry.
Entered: h=7 m=2
